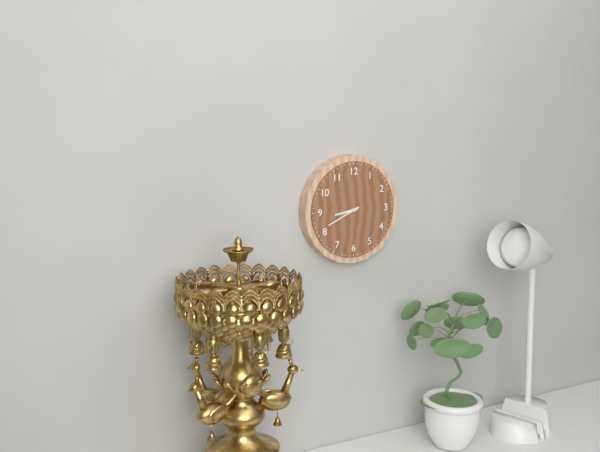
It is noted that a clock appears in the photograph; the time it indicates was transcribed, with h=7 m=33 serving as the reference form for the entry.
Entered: h=8 m=41
